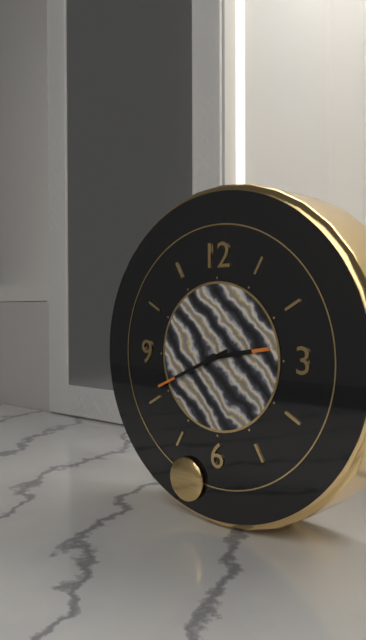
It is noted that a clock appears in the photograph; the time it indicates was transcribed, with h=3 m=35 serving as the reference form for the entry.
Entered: h=2 m=41
